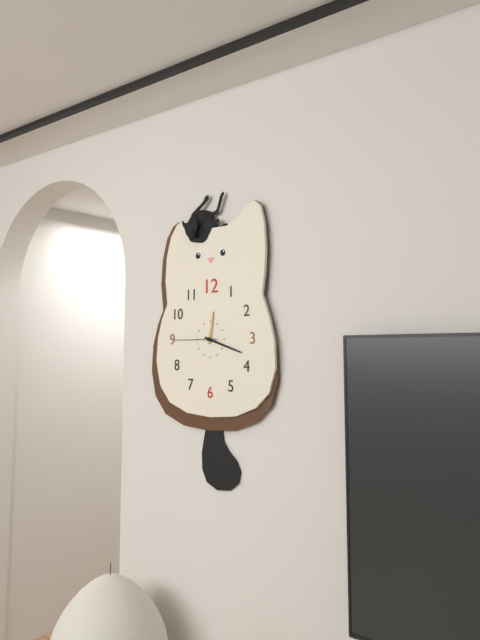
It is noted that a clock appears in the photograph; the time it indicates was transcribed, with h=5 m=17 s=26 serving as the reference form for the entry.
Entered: h=12 m=18 s=45
